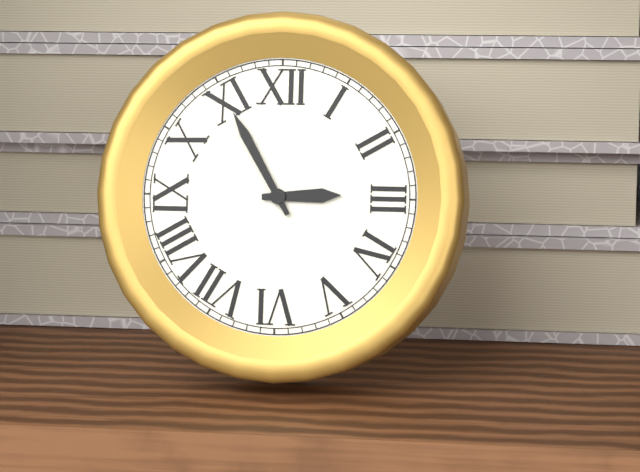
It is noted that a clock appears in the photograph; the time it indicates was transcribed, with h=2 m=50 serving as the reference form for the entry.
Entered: h=2 m=55
